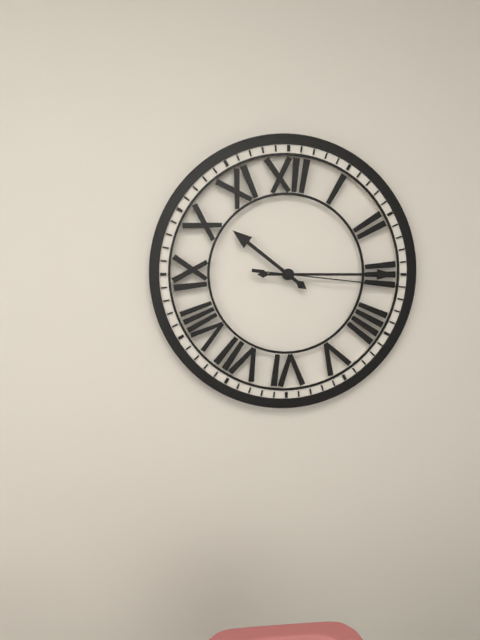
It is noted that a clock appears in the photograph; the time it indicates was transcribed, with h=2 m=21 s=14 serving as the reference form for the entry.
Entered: h=10 m=15 s=16
